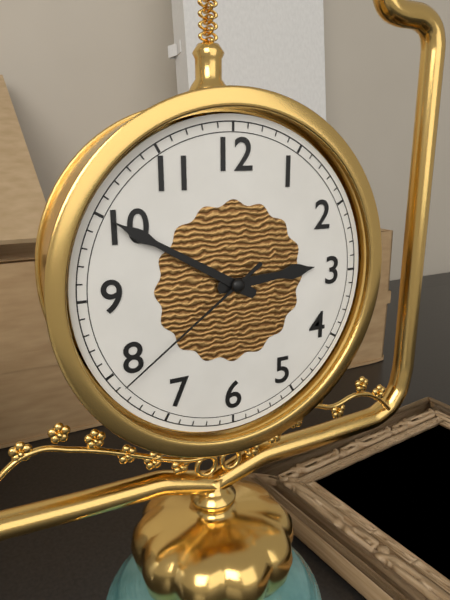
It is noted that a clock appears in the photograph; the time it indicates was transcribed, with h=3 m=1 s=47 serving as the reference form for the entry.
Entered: h=2 m=50 s=39
